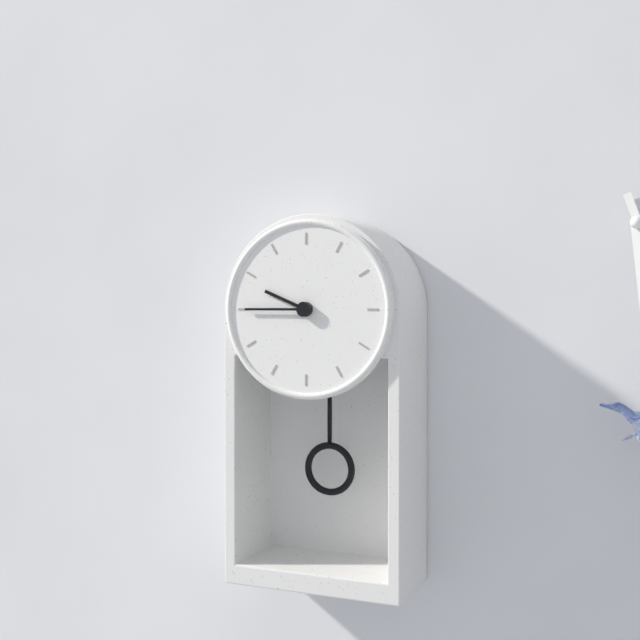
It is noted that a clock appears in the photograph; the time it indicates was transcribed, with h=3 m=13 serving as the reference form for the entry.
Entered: h=9 m=45
